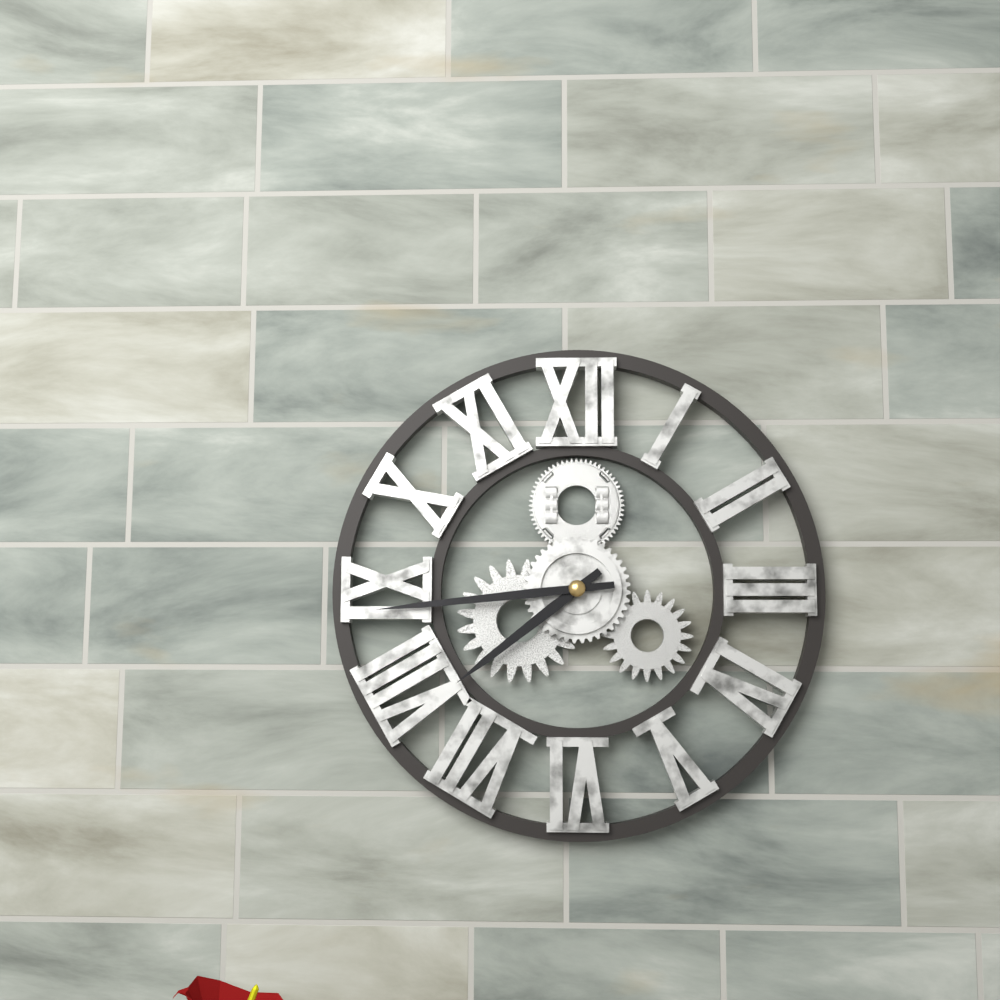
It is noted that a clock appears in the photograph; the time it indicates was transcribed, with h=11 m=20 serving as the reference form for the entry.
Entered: h=7 m=44
